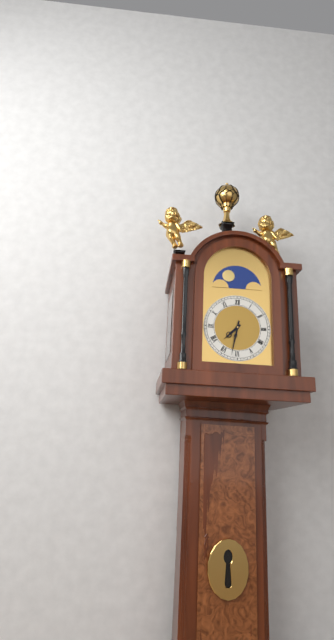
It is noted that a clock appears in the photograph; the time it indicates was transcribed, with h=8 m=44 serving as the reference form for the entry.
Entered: h=7 m=32
